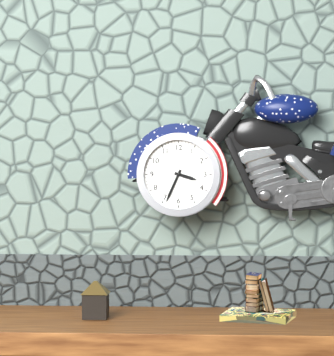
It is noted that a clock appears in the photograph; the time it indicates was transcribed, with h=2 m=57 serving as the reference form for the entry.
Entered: h=3 m=34
